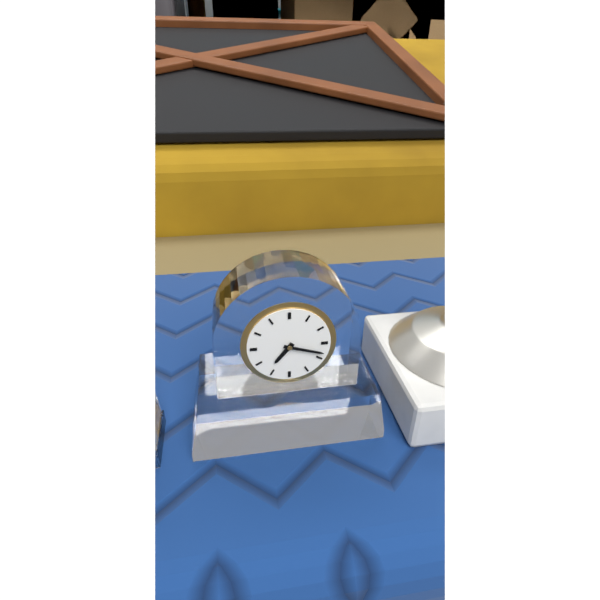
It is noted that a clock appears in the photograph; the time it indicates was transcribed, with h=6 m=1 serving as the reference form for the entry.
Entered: h=7 m=18
